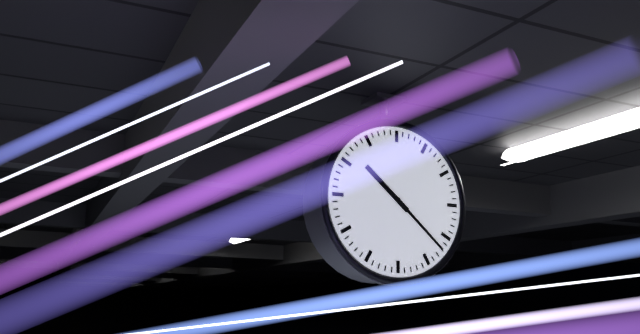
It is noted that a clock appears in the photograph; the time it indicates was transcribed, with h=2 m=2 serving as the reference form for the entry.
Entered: h=10 m=22
